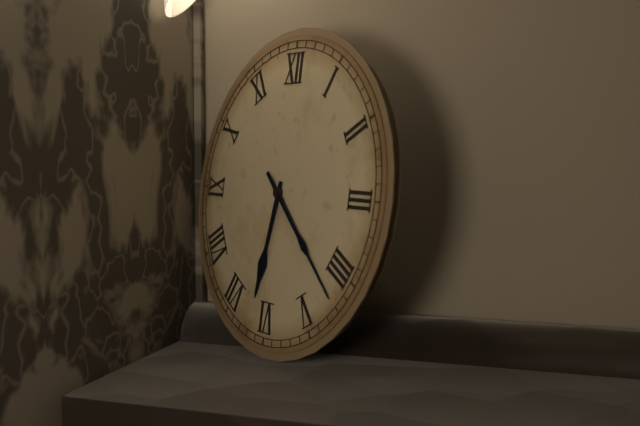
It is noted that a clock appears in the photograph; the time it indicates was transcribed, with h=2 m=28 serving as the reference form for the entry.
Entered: h=6 m=22
